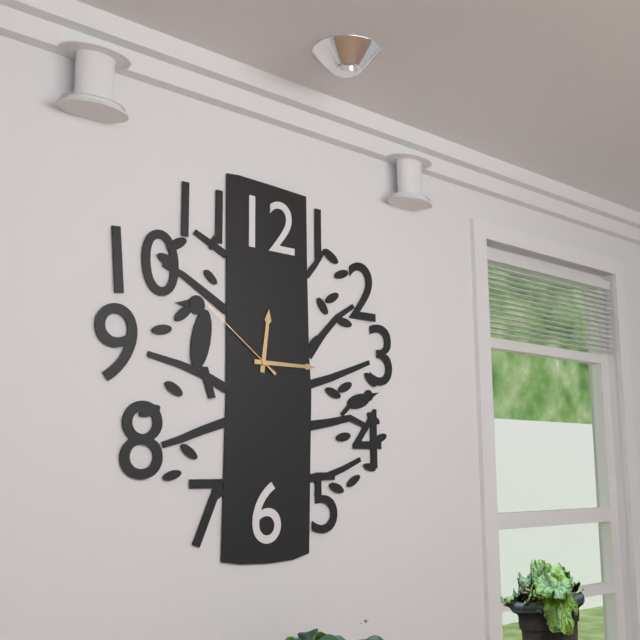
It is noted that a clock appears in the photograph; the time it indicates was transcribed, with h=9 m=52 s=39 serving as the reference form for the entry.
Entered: h=12 m=15 s=51
